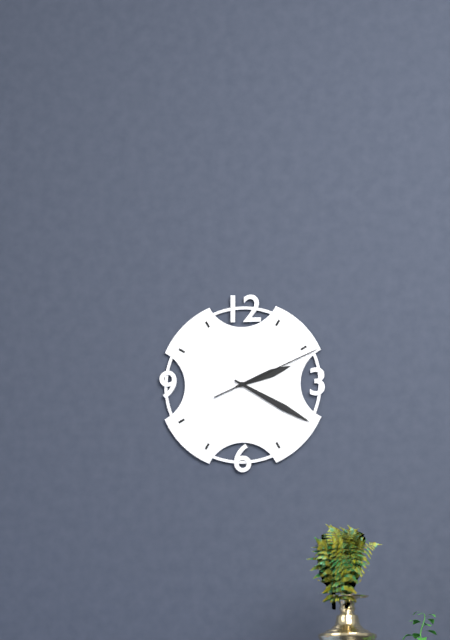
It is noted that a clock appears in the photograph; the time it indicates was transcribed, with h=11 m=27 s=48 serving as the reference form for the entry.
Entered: h=2 m=20 s=11
